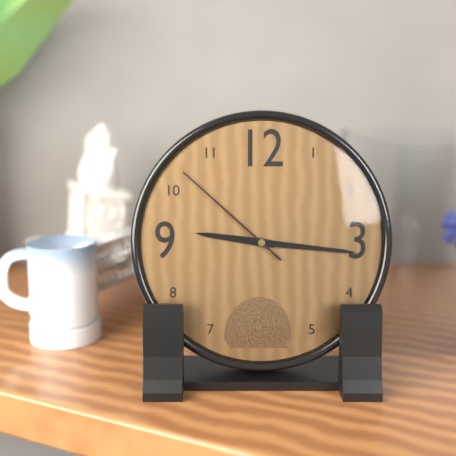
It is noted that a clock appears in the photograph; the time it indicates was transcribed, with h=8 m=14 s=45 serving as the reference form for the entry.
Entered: h=9 m=16 s=52
